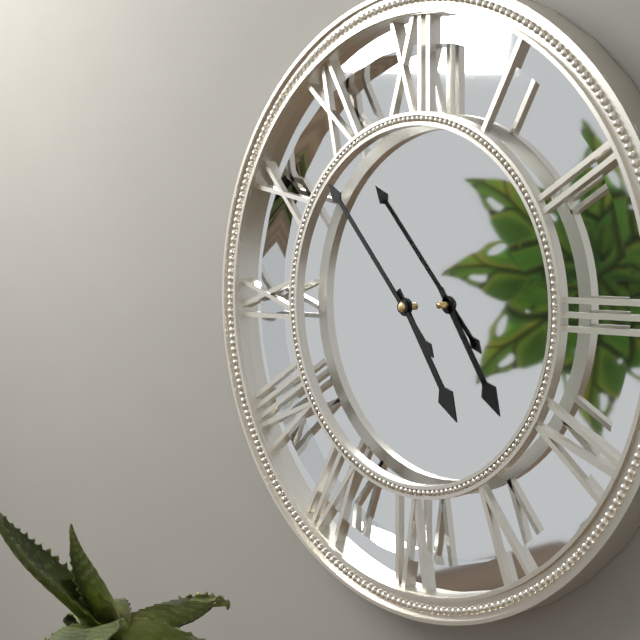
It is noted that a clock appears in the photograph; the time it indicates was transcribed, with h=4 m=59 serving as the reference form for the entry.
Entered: h=4 m=53
